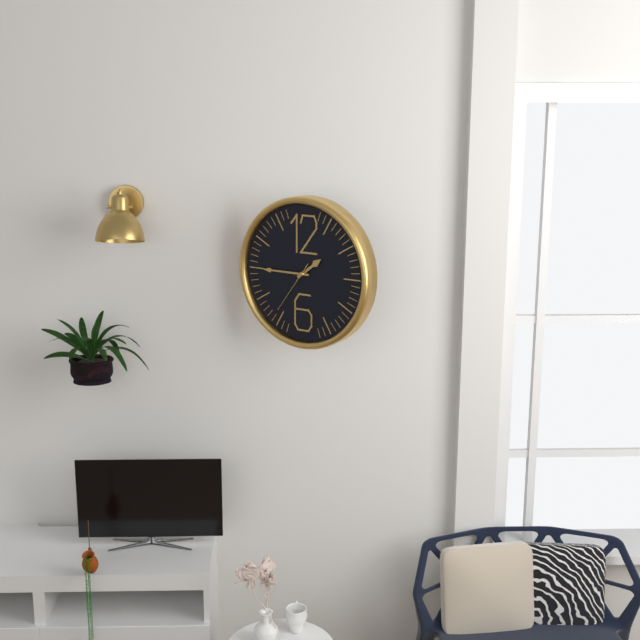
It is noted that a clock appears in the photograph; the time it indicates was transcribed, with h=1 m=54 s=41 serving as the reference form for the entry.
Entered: h=1 m=45 s=36
